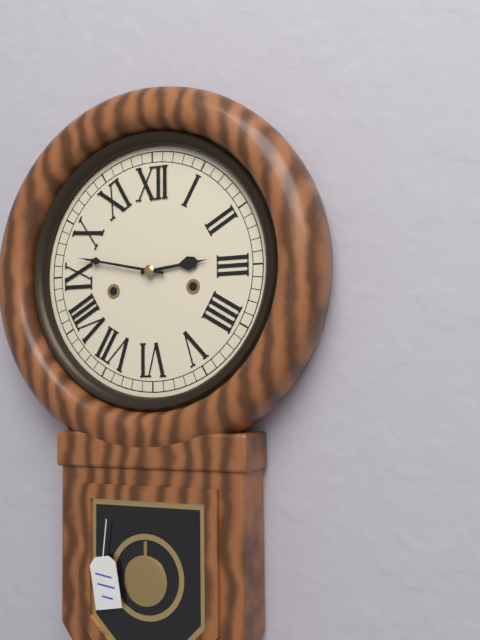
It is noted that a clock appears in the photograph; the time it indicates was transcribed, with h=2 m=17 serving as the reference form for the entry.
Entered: h=2 m=47
